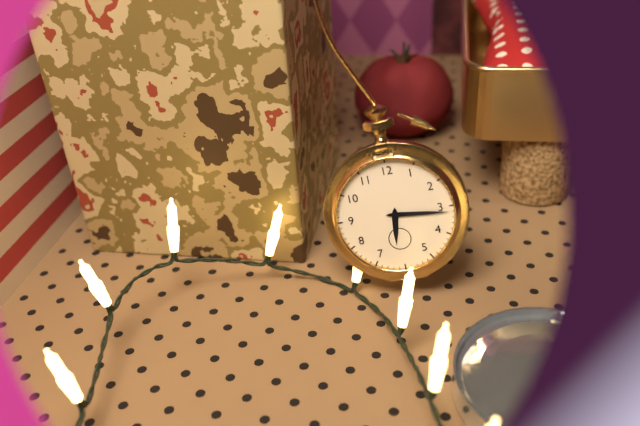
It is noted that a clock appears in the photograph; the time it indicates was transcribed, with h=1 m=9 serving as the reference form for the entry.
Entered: h=6 m=16
